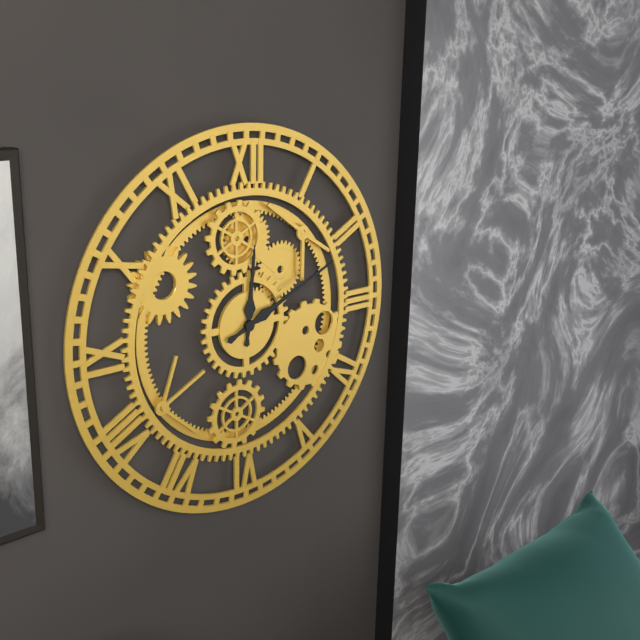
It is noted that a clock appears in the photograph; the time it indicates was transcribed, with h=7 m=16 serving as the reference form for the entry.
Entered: h=12 m=11
